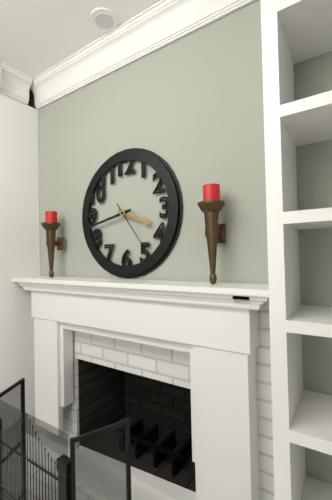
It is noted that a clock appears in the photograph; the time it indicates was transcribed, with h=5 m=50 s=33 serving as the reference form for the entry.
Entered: h=3 m=43 s=24
